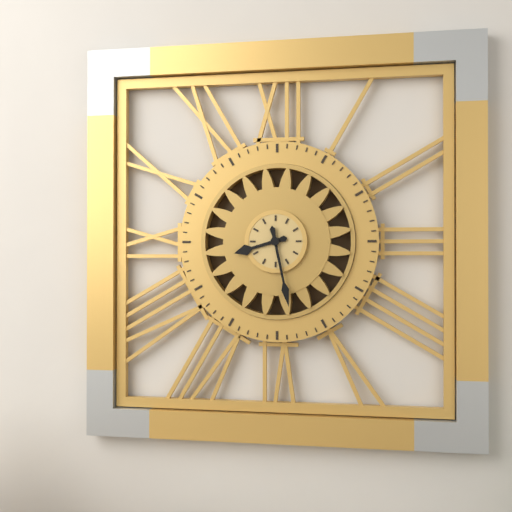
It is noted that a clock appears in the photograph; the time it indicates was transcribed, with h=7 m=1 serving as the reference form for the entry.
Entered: h=8 m=28
